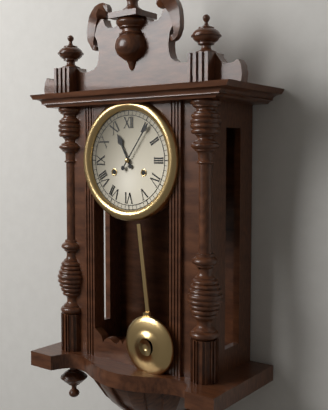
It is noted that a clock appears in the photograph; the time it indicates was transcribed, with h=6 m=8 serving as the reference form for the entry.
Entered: h=11 m=6
